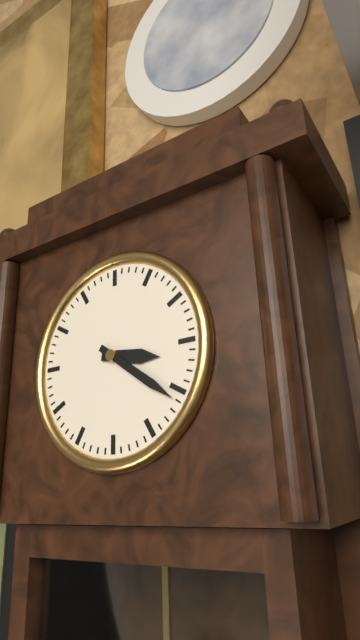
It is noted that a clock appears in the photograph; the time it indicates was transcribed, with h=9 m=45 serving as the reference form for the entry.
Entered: h=3 m=21
